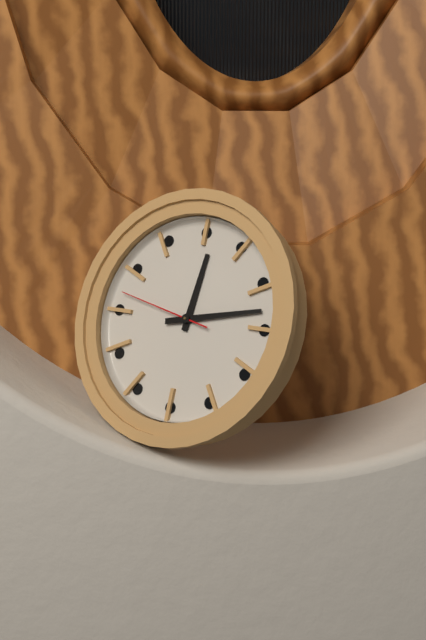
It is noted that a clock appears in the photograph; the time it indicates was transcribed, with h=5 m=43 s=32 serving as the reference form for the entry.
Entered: h=12 m=13 s=47
